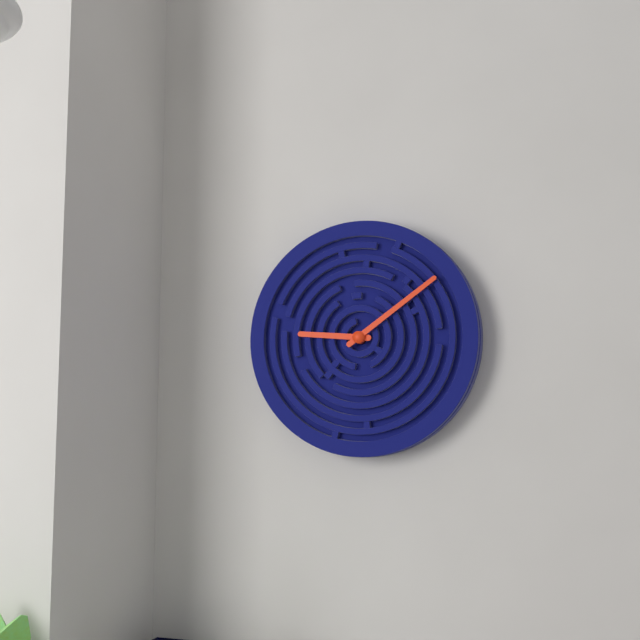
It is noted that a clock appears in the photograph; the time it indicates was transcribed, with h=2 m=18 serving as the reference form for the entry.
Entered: h=9 m=9
